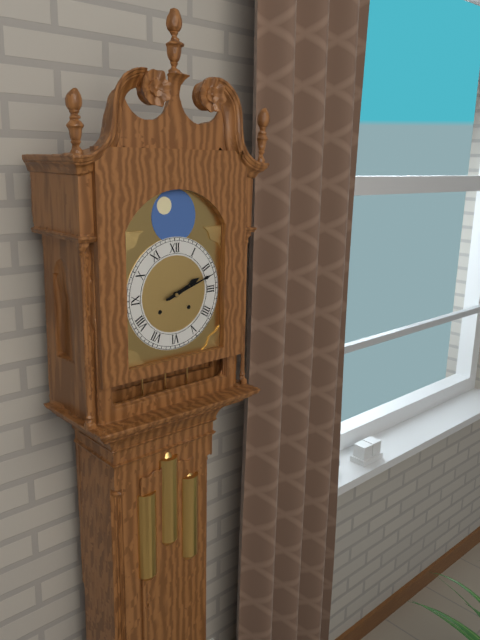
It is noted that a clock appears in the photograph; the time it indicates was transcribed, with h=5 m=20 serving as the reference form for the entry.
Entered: h=2 m=12
